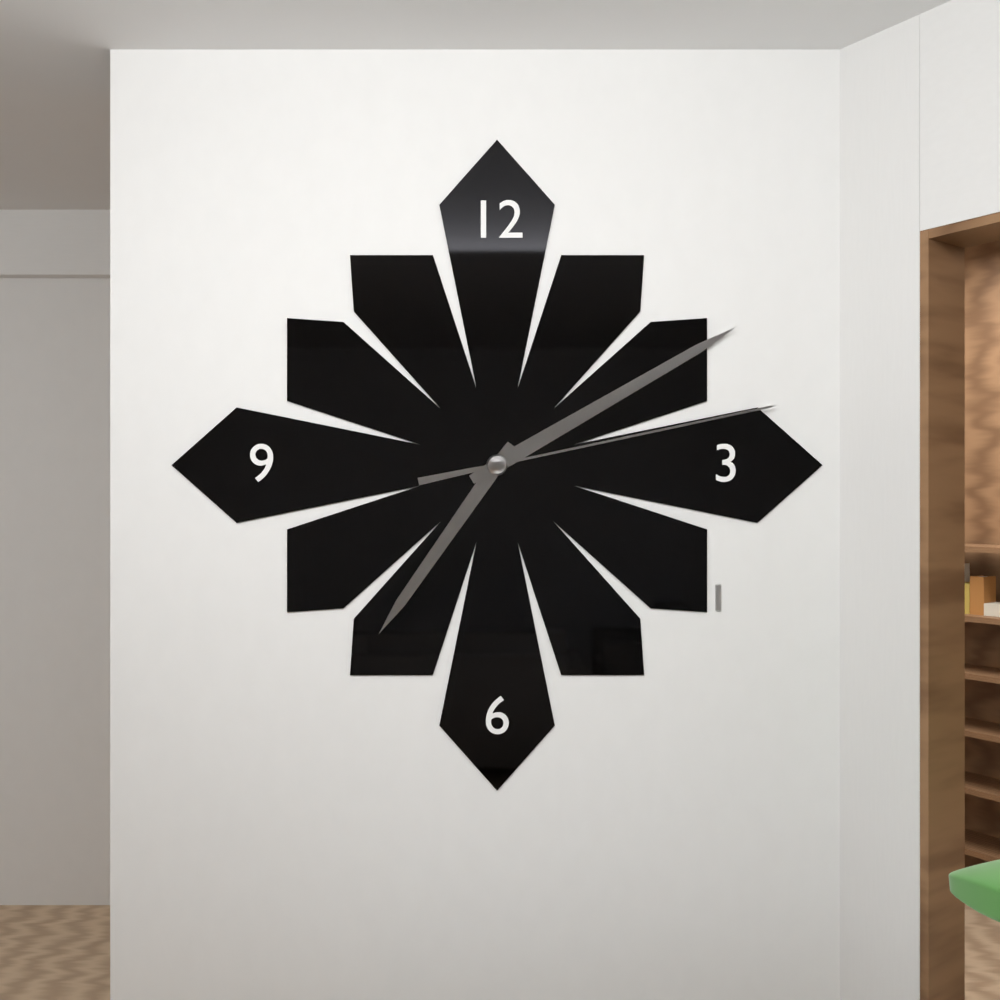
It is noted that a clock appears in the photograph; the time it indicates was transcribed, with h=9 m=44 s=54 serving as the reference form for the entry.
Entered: h=7 m=10 s=13
